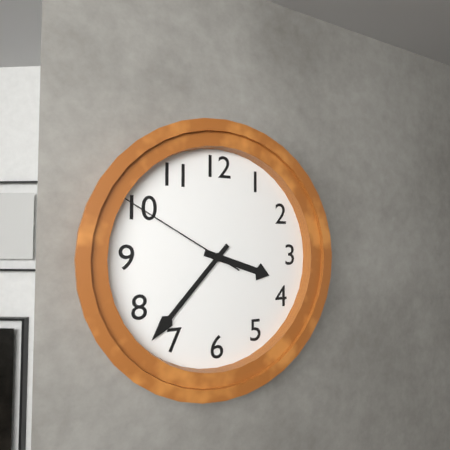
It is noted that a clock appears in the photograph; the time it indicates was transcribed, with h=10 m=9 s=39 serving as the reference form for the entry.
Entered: h=3 m=37 s=50
